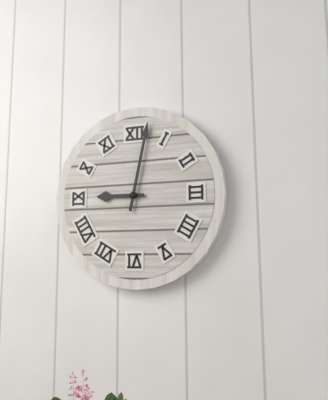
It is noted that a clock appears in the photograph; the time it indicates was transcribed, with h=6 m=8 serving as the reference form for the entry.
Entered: h=9 m=2
